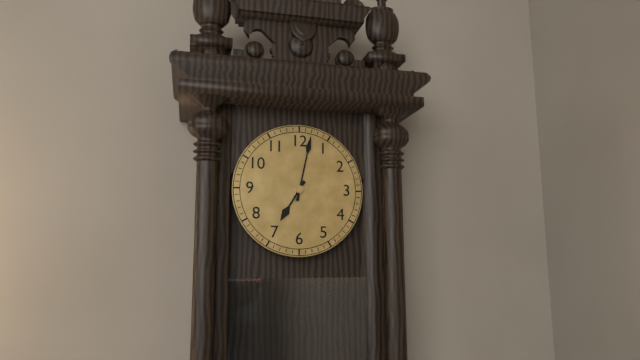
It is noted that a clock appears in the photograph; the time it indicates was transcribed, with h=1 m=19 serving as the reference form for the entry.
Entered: h=7 m=2
